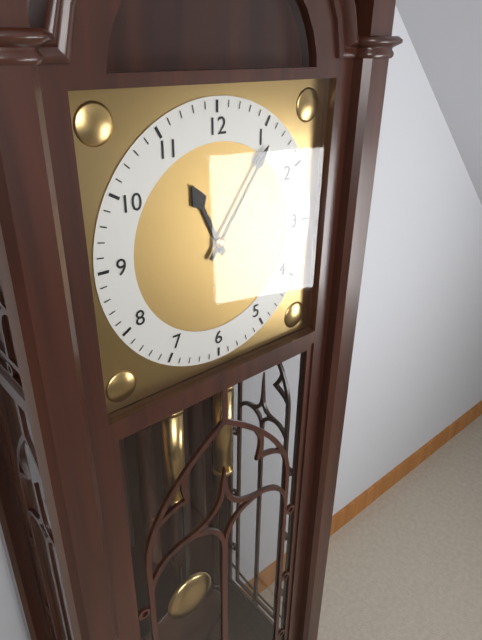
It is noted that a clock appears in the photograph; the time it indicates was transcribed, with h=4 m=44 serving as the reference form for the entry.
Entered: h=11 m=6
